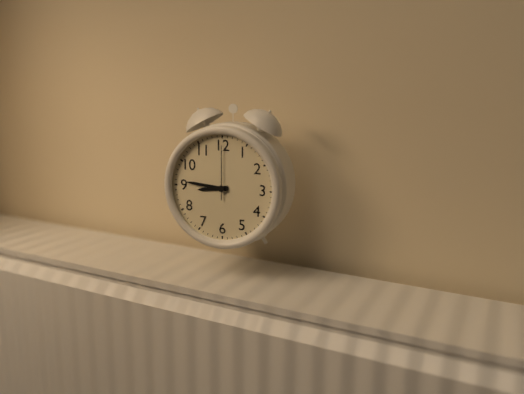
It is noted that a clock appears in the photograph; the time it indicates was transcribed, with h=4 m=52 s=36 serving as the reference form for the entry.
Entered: h=8 m=46 s=0
